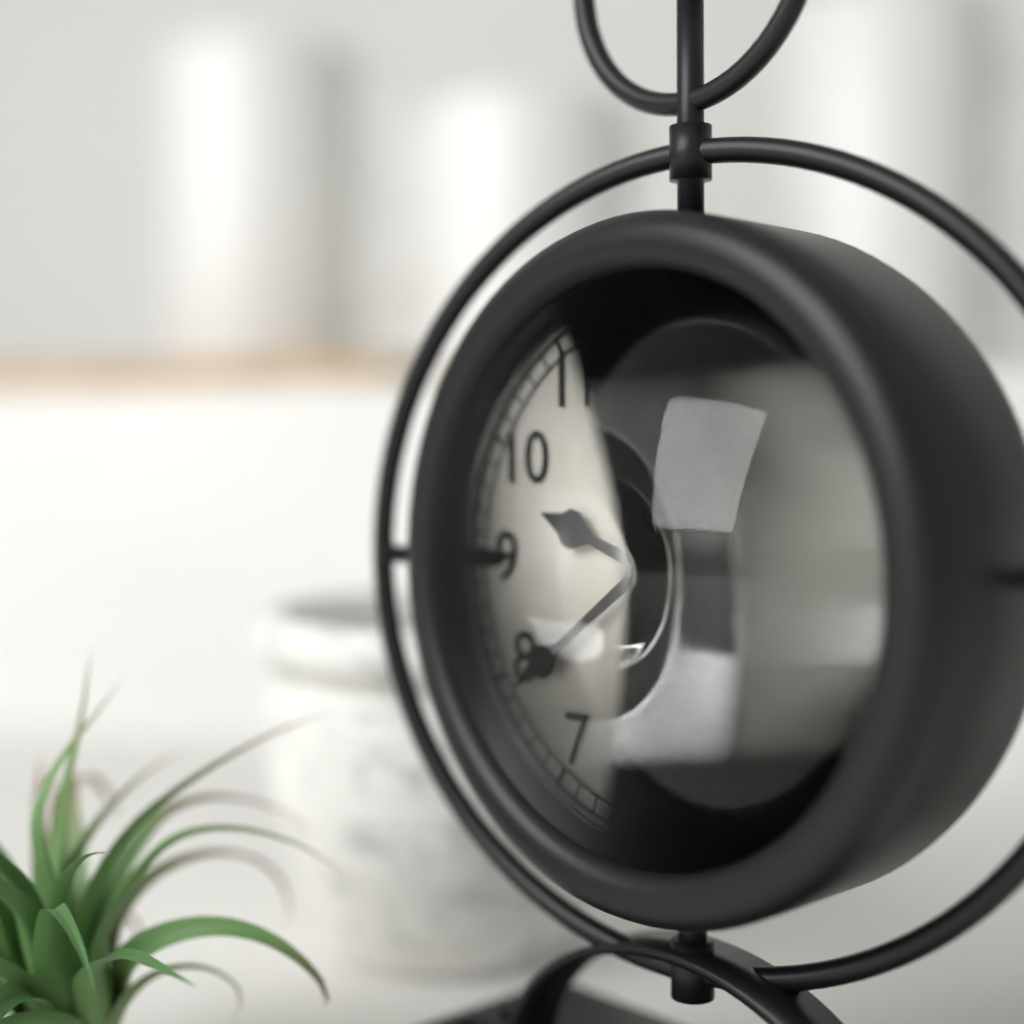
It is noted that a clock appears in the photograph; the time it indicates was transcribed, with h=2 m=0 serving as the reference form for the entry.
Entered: h=9 m=39
